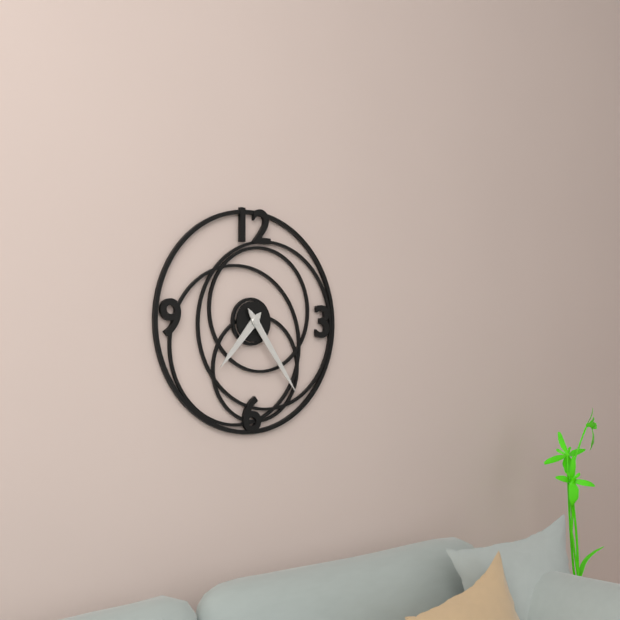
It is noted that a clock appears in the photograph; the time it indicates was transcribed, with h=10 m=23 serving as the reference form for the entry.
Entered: h=7 m=24
